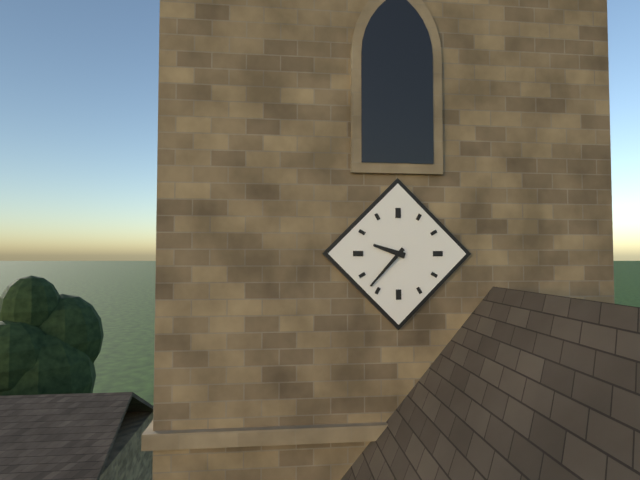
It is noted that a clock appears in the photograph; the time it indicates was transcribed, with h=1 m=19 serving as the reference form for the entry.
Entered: h=9 m=37
